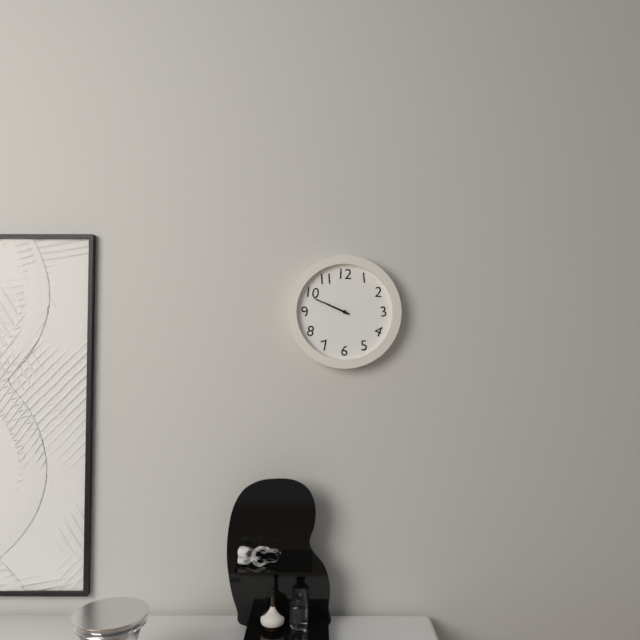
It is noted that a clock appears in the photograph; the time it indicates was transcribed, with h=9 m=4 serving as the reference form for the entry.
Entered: h=9 m=49
